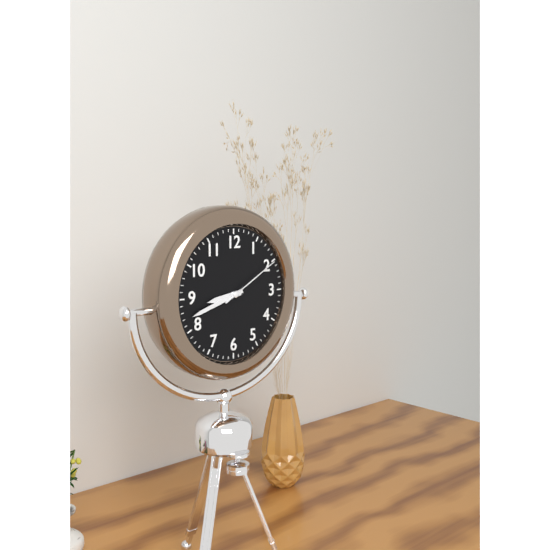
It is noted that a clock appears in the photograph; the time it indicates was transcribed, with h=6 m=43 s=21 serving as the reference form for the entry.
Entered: h=8 m=42 s=10
